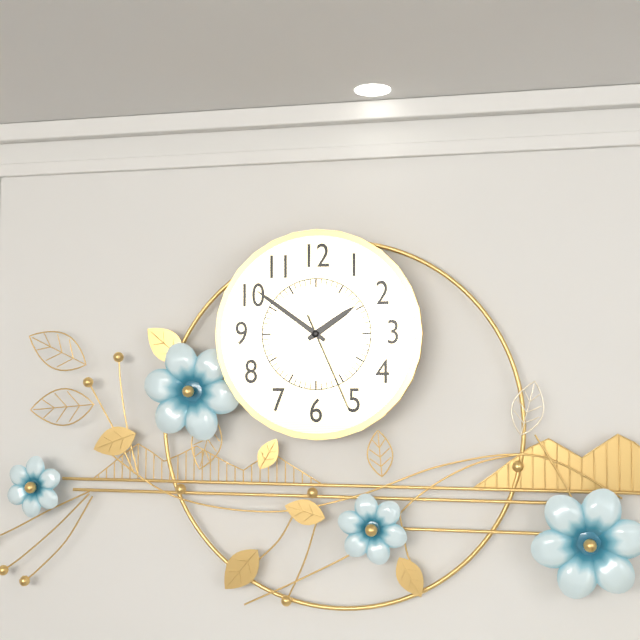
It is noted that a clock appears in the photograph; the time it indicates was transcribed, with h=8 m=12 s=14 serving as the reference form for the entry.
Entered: h=1 m=51 s=26
